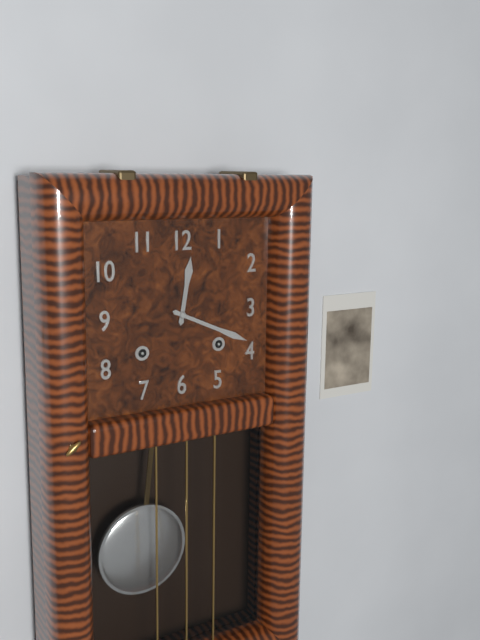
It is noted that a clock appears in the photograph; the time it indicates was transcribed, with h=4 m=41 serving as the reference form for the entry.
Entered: h=12 m=19
